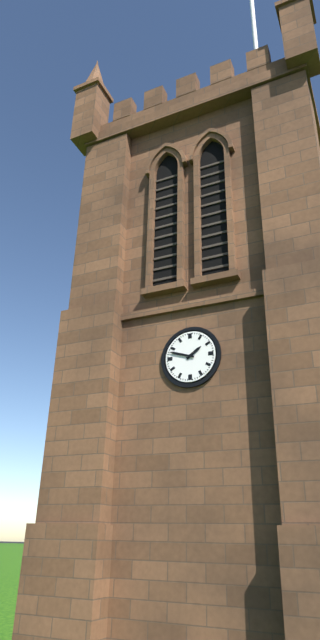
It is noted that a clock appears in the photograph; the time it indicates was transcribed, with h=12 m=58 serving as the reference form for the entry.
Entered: h=1 m=48
